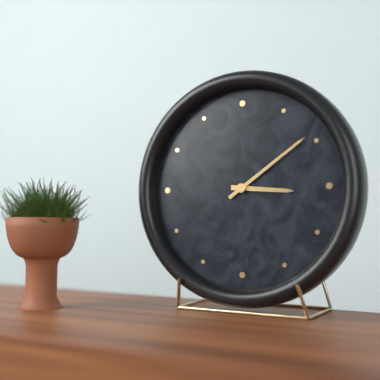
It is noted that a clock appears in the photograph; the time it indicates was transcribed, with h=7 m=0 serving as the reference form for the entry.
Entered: h=3 m=9
